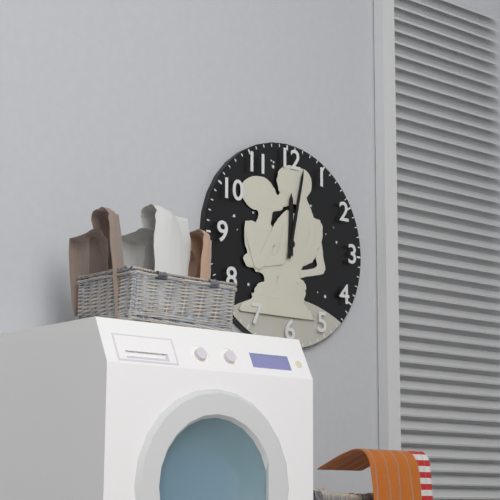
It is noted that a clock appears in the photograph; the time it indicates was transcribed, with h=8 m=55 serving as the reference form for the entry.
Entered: h=12 m=2
